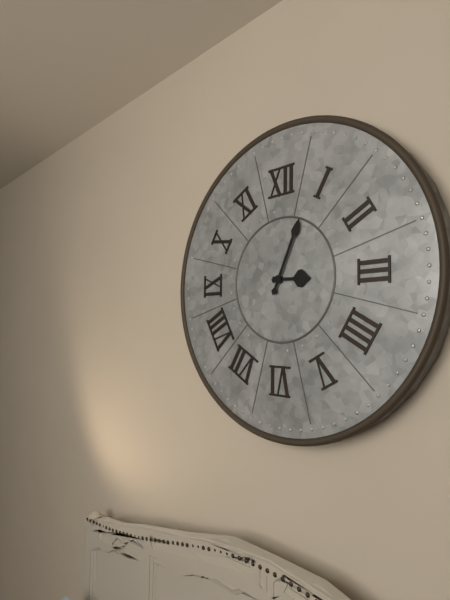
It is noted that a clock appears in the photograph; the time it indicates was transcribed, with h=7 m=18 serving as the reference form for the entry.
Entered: h=3 m=4
